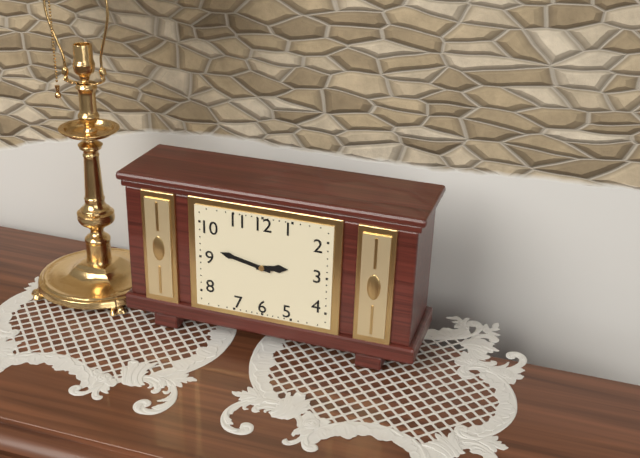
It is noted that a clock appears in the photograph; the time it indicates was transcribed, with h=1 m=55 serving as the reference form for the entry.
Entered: h=2 m=47
